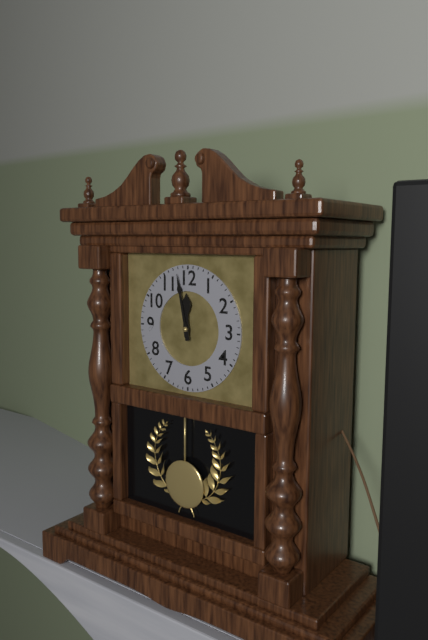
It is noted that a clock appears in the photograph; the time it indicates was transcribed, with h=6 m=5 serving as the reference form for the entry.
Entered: h=11 m=58
